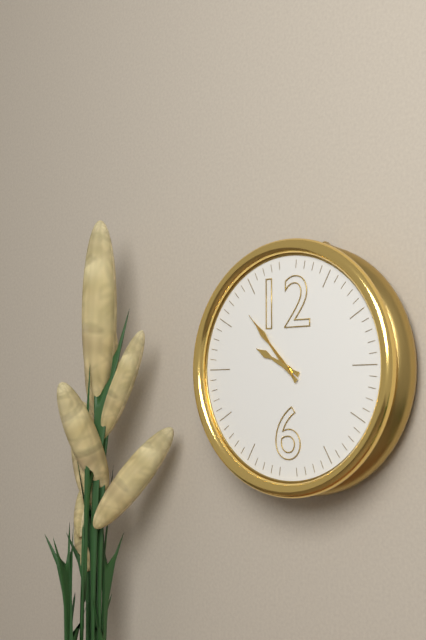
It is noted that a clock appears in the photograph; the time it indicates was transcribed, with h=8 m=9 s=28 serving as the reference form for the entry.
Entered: h=9 m=53 s=53
